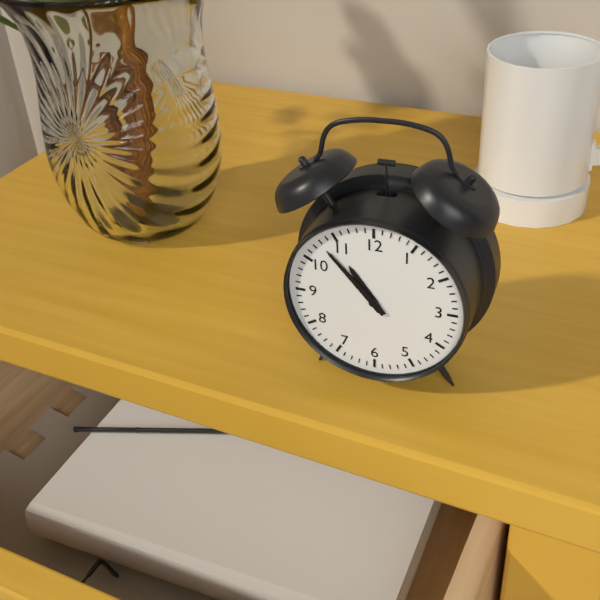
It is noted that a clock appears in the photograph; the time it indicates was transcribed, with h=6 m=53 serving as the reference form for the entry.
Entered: h=10 m=53
